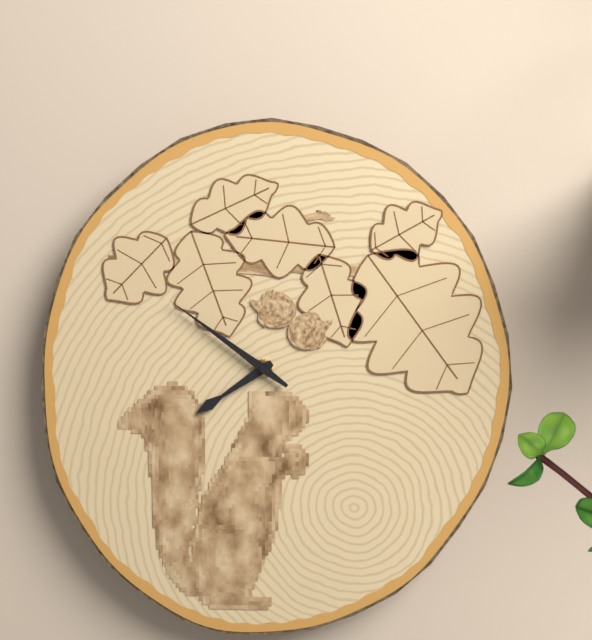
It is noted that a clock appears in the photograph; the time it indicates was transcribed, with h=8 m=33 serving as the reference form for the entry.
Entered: h=7 m=51
